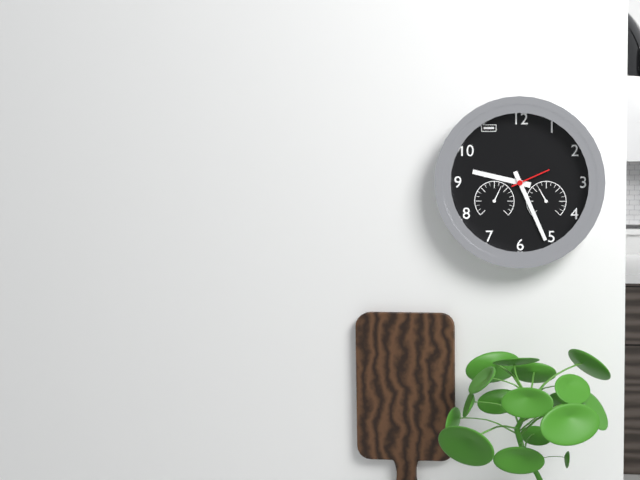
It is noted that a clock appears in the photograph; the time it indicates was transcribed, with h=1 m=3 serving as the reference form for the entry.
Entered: h=9 m=26
